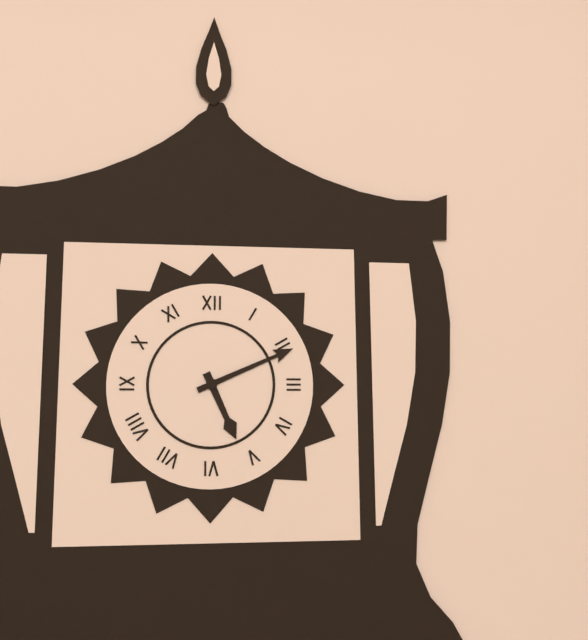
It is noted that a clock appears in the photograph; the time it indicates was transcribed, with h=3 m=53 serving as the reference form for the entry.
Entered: h=5 m=11
